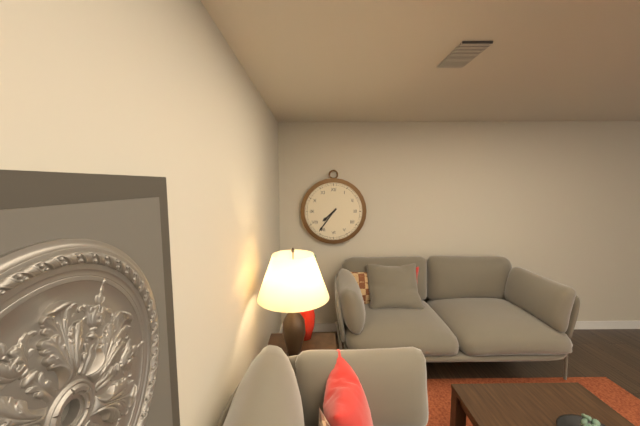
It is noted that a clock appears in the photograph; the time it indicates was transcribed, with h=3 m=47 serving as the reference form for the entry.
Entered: h=7 m=36
